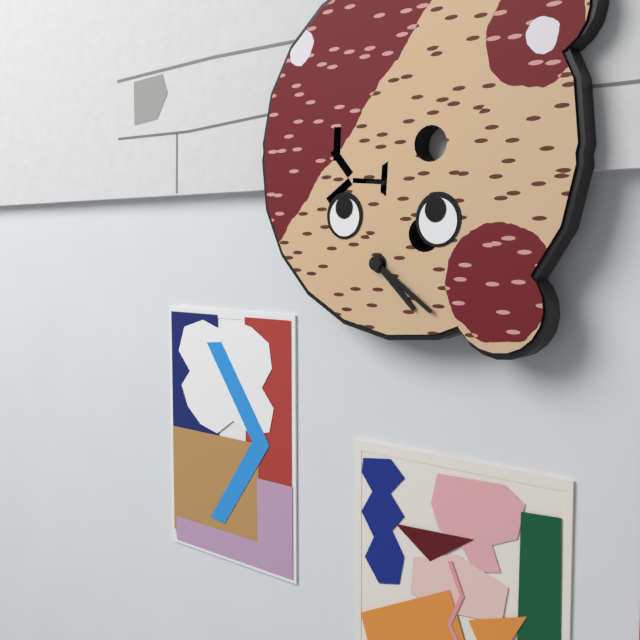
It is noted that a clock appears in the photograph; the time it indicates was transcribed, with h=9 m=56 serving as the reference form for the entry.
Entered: h=4 m=20
